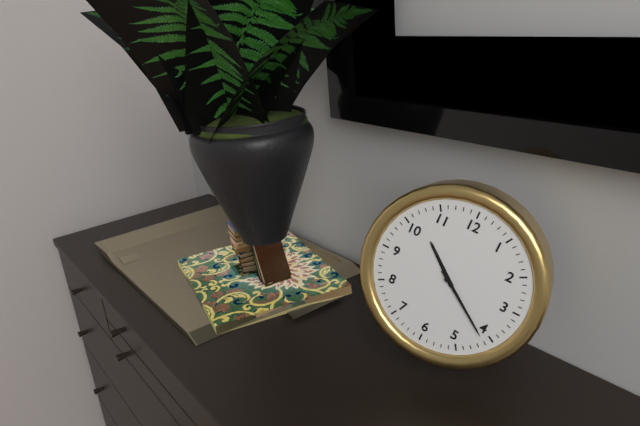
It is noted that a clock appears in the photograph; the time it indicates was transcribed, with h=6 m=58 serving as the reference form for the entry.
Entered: h=10 m=21
